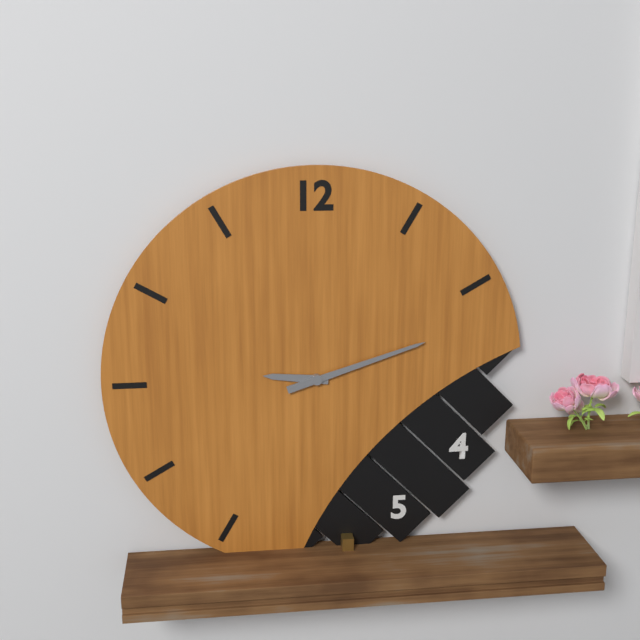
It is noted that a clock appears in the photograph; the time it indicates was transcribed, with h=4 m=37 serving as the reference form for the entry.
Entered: h=9 m=12
